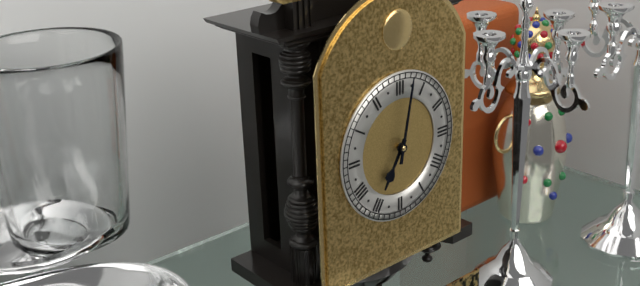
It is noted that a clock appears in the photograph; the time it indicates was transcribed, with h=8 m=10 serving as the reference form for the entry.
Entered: h=7 m=2
